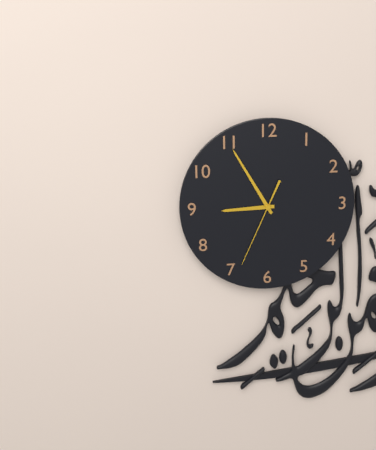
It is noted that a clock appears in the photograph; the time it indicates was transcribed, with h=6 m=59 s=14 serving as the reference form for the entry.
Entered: h=8 m=55 s=34
